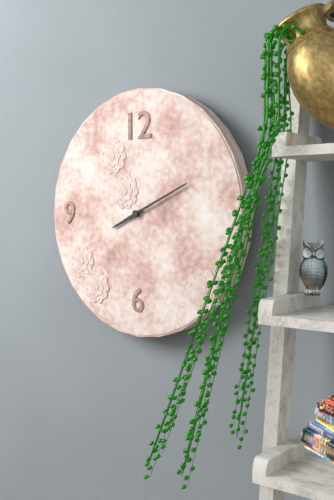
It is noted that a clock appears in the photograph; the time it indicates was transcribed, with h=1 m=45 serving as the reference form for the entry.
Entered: h=8 m=11
